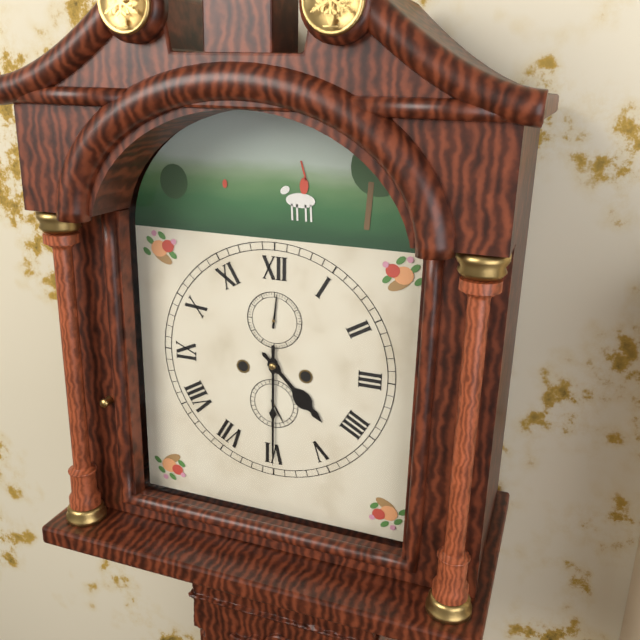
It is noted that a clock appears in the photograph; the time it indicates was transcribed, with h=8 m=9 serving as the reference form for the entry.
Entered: h=4 m=30
